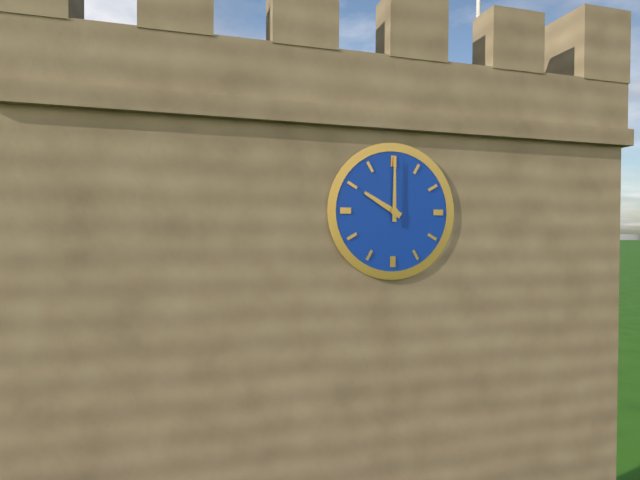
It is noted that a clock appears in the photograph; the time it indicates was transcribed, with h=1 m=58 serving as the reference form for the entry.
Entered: h=10 m=0
